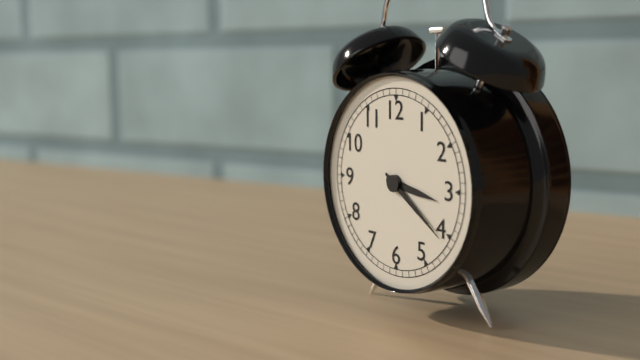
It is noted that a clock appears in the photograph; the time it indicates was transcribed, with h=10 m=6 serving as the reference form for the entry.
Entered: h=3 m=21
